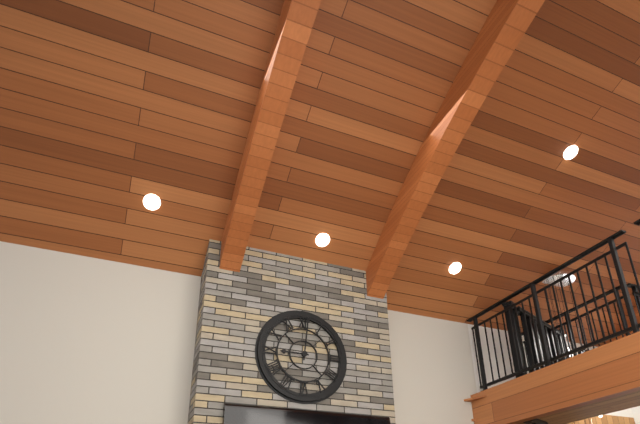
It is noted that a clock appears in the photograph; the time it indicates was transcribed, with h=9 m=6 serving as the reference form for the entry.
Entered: h=9 m=1
